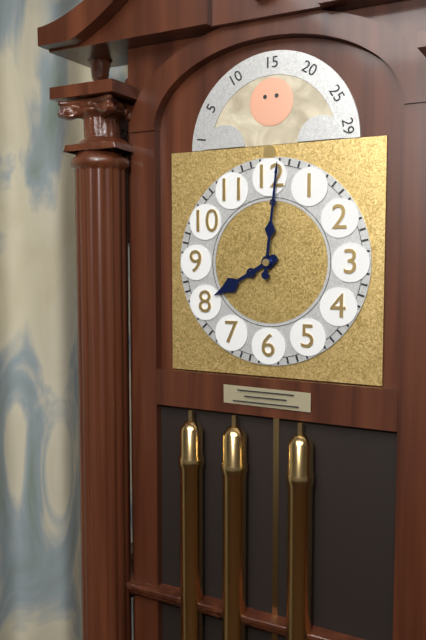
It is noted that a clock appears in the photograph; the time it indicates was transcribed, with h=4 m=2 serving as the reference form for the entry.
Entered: h=8 m=1
